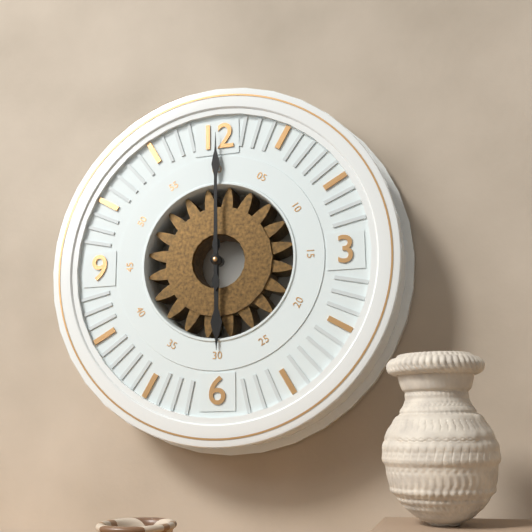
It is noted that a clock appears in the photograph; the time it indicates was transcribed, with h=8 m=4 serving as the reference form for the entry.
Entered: h=6 m=0
